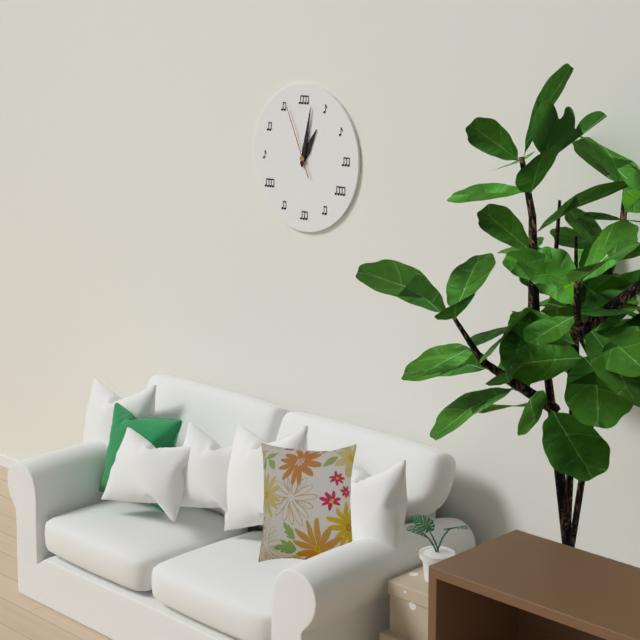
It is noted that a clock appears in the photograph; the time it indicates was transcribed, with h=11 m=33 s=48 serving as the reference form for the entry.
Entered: h=1 m=2 s=56
